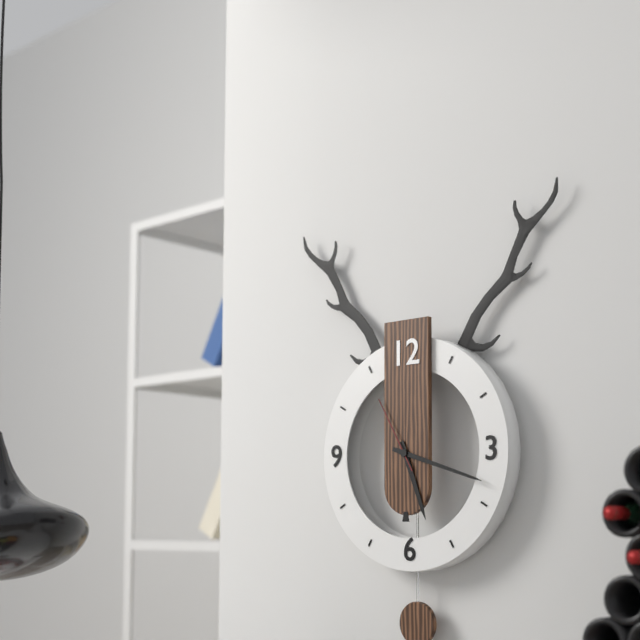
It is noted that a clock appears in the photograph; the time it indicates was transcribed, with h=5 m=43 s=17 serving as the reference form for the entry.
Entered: h=5 m=18 s=55
